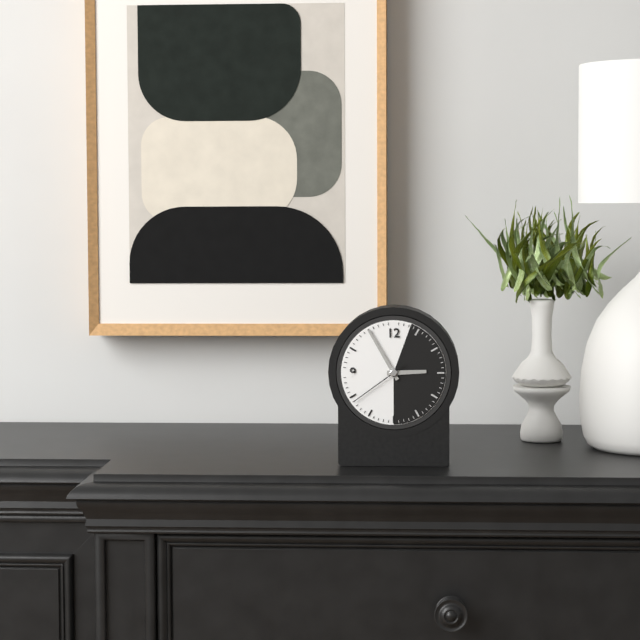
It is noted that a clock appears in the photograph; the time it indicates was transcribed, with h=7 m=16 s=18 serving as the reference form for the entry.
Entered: h=2 m=55 s=39
